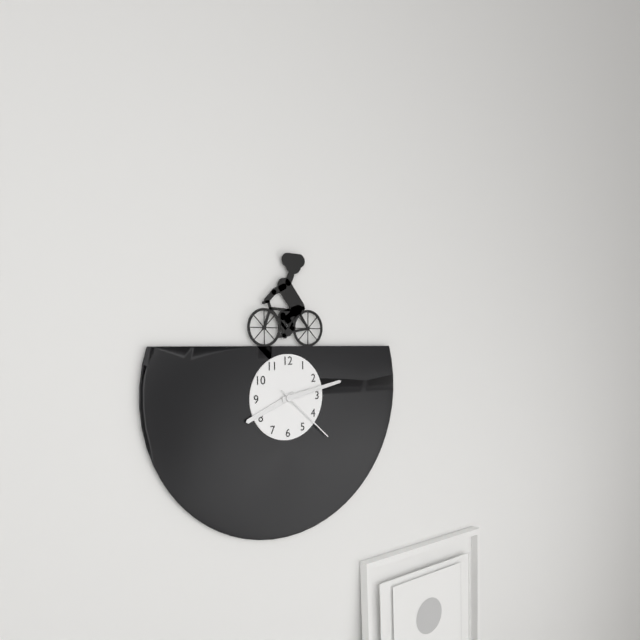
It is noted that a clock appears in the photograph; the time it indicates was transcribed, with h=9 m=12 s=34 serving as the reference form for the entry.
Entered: h=8 m=13 s=22
